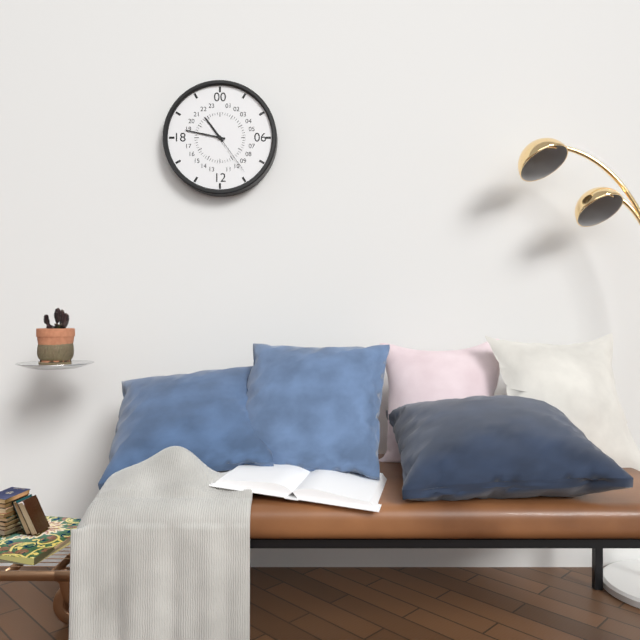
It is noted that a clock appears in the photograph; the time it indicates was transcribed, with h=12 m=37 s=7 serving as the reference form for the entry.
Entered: h=10 m=47 s=24
